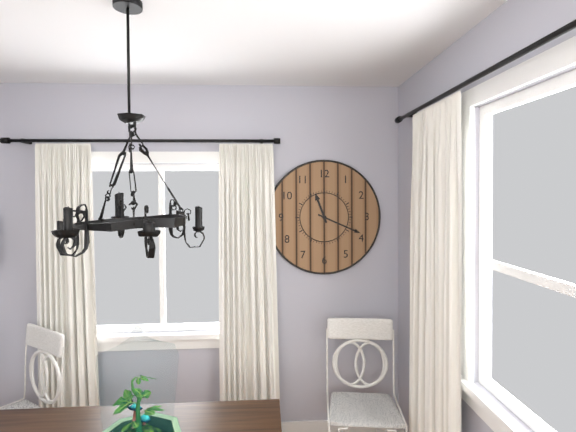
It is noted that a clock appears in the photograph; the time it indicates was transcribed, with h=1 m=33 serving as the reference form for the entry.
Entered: h=11 m=19
